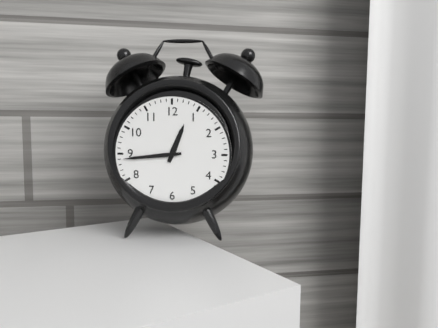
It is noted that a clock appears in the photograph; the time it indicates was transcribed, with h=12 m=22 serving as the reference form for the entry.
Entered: h=12 m=44
